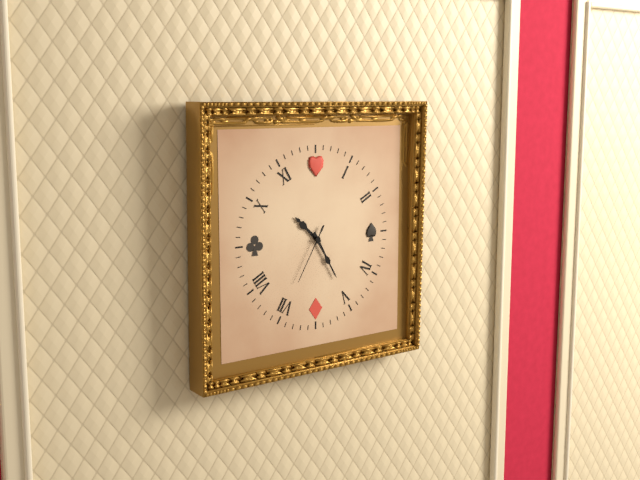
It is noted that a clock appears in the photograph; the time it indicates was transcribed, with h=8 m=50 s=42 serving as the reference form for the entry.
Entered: h=10 m=25 s=35
